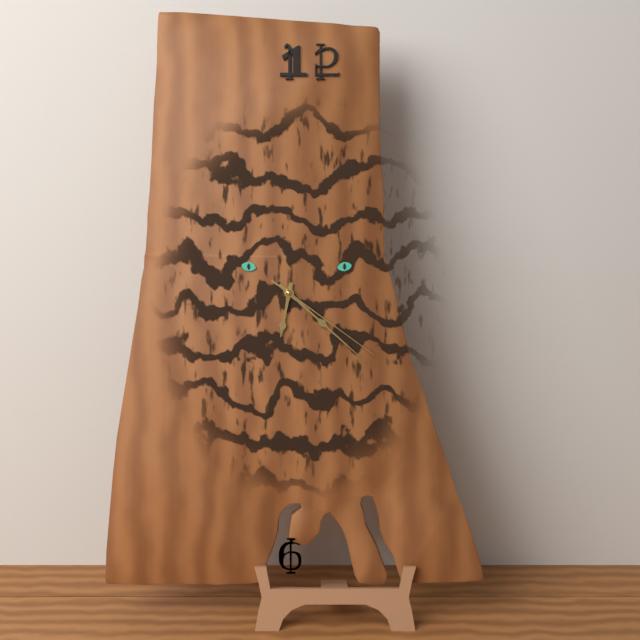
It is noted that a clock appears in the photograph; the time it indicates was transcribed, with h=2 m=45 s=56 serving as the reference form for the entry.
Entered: h=6 m=22 s=21
